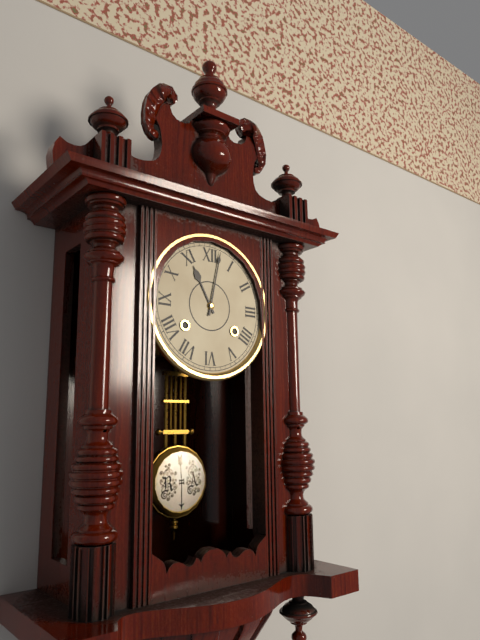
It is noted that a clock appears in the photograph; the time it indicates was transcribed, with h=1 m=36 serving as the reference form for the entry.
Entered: h=11 m=2
